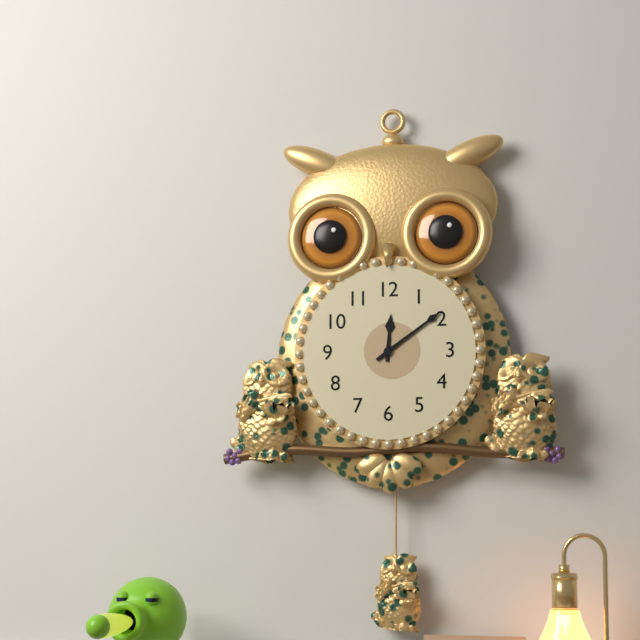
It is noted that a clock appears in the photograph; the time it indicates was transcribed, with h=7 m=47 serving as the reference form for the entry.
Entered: h=12 m=9
